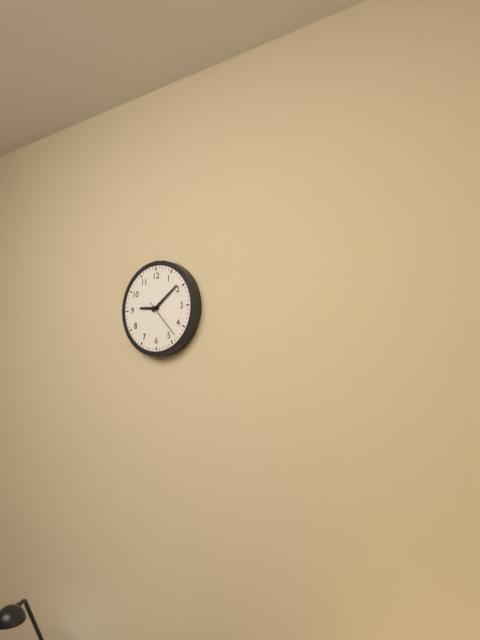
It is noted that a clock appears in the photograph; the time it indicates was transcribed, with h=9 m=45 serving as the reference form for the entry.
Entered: h=9 m=9
